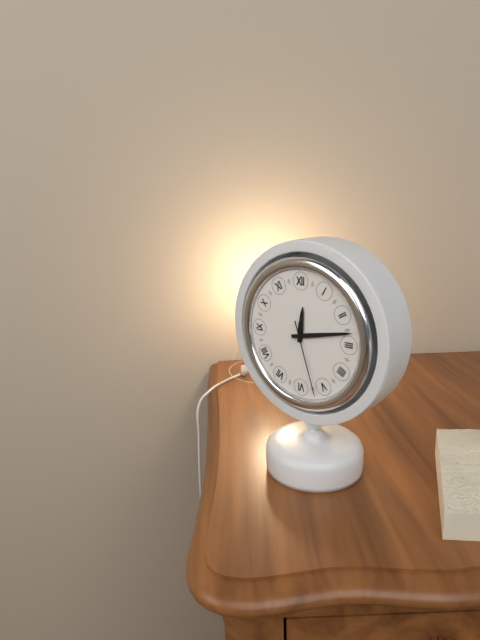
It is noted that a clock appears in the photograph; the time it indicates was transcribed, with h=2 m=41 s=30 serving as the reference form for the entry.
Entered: h=12 m=13 s=27
